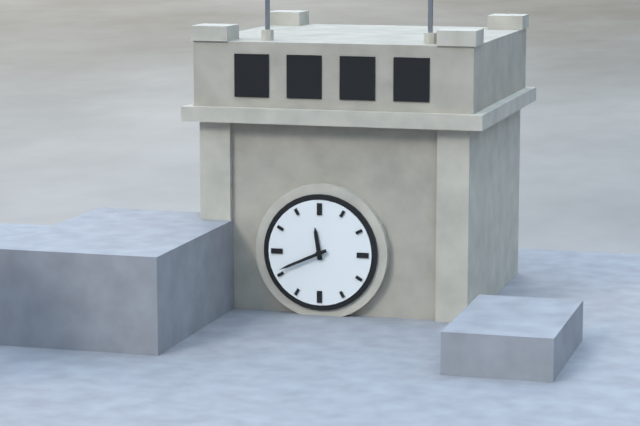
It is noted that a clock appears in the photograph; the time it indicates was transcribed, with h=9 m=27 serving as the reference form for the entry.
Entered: h=11 m=41
